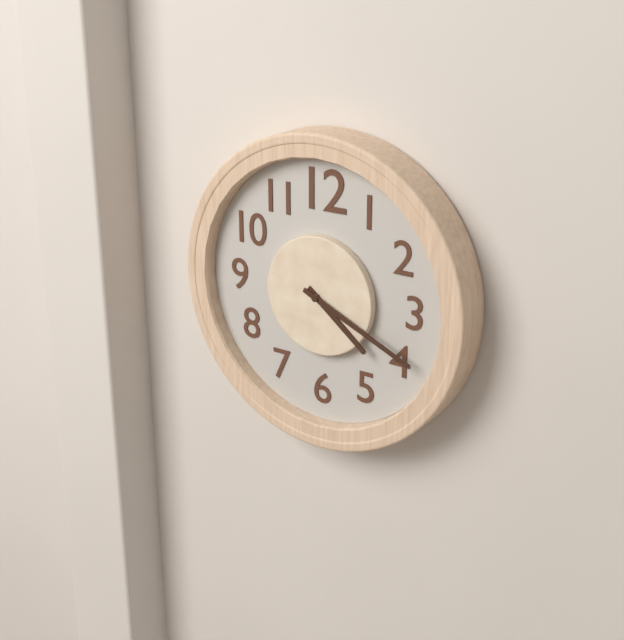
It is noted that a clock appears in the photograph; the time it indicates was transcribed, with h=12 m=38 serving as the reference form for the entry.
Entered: h=4 m=19
